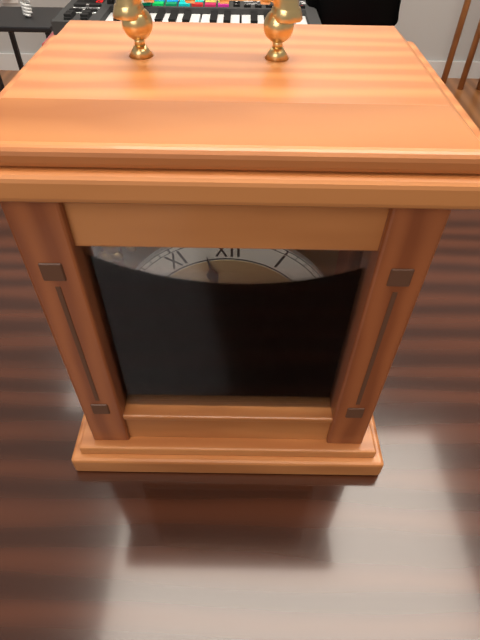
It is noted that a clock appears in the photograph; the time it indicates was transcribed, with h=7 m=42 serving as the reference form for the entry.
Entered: h=9 m=58
